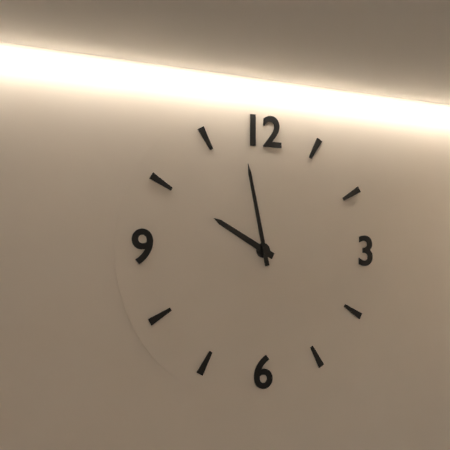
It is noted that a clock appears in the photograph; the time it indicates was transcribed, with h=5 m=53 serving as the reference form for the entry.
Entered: h=9 m=58
